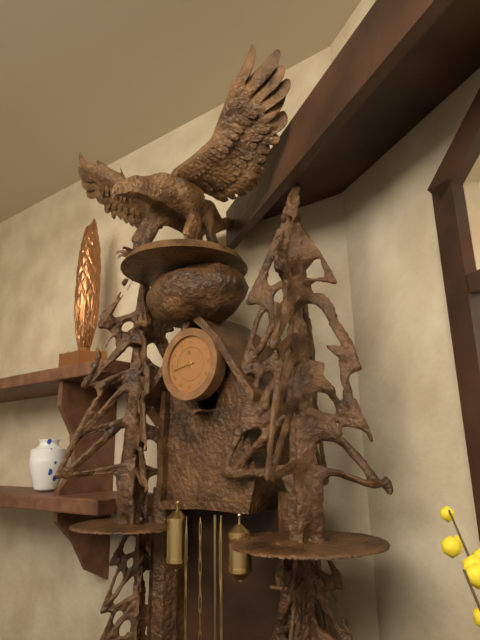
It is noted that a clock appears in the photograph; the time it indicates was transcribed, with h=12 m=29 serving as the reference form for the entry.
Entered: h=11 m=43
